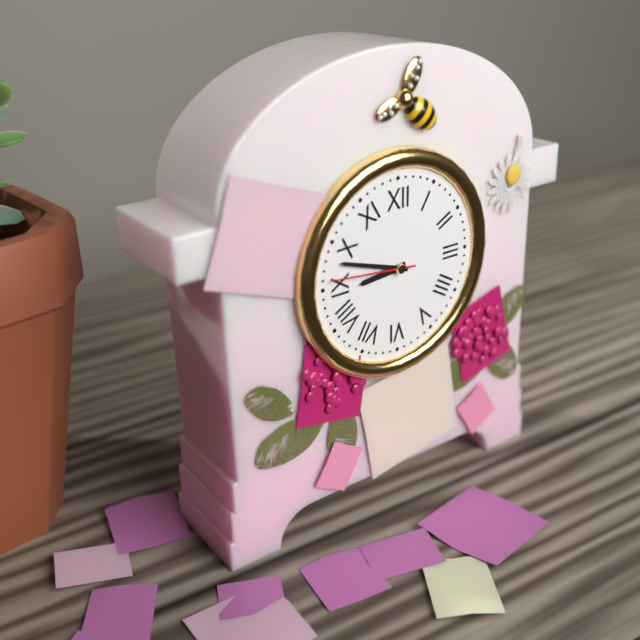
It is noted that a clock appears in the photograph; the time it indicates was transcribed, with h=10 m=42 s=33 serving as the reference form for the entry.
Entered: h=8 m=48 s=46
